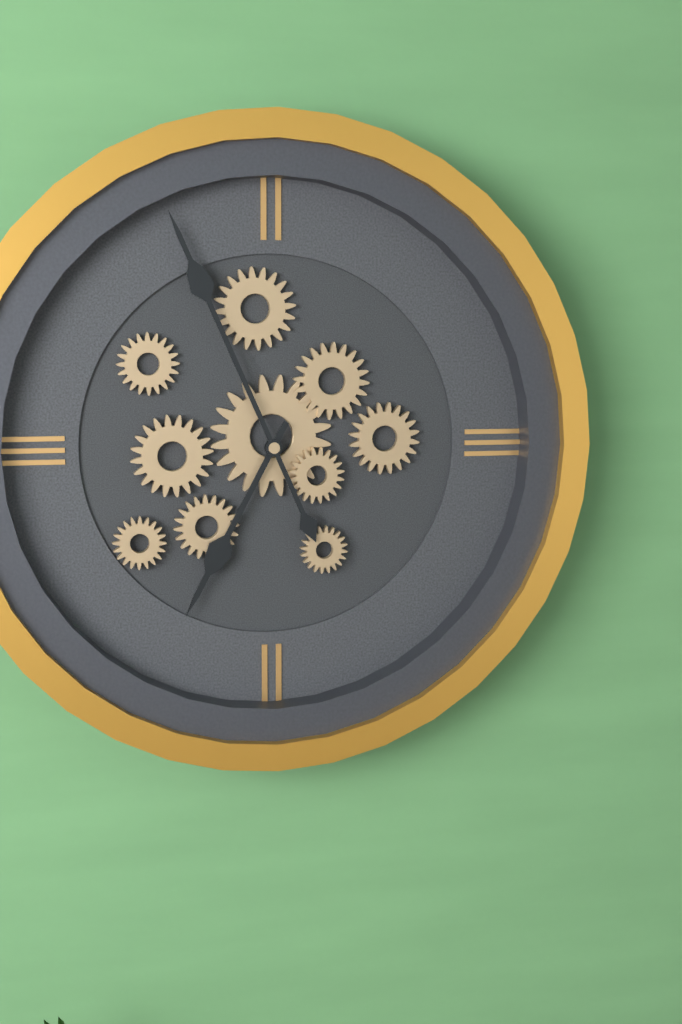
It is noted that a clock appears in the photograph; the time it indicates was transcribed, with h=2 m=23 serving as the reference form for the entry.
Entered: h=6 m=56
